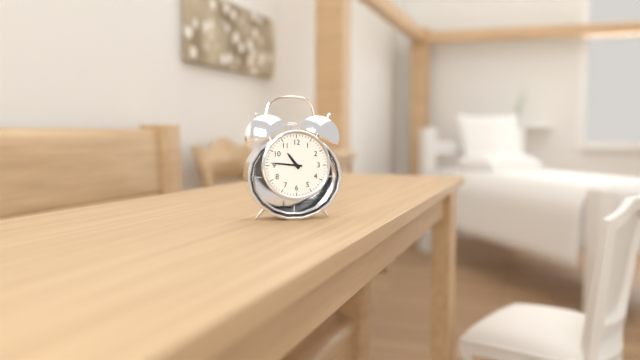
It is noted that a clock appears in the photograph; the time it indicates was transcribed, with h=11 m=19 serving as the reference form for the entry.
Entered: h=10 m=46
